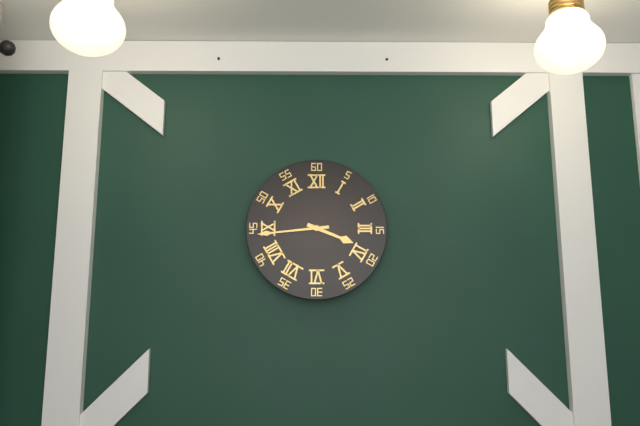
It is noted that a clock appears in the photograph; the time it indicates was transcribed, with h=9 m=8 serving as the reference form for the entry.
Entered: h=3 m=44
